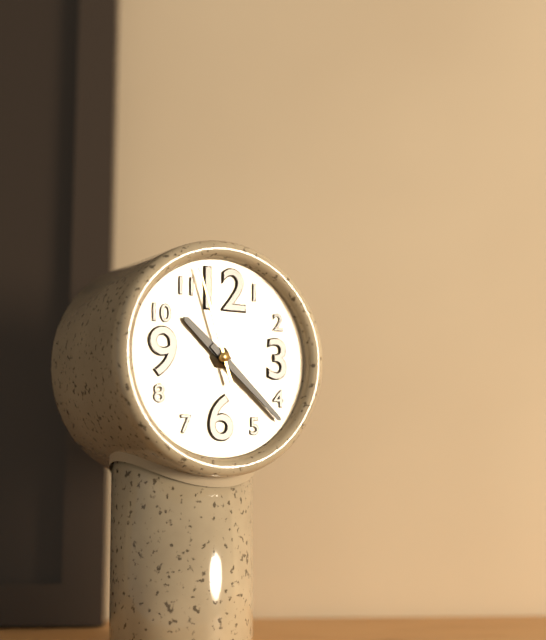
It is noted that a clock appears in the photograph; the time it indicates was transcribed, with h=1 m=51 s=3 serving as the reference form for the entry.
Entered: h=10 m=22 s=57
